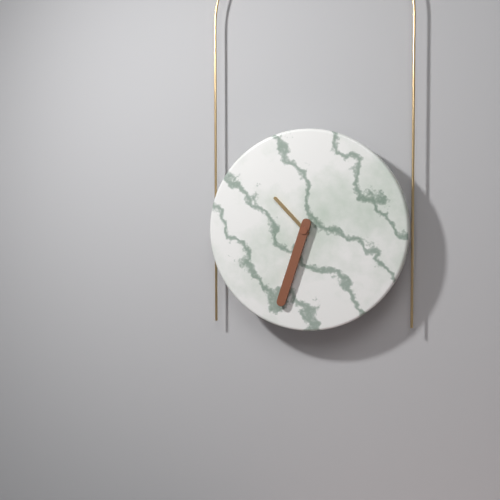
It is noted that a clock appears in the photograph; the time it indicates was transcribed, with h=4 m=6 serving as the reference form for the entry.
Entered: h=10 m=33
